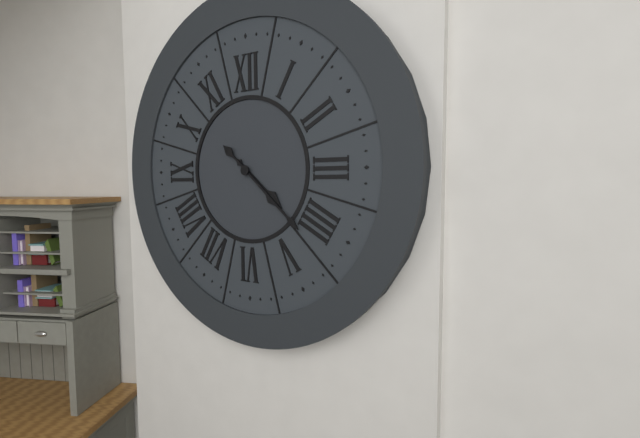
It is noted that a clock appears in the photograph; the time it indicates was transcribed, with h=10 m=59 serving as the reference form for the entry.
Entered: h=4 m=22
